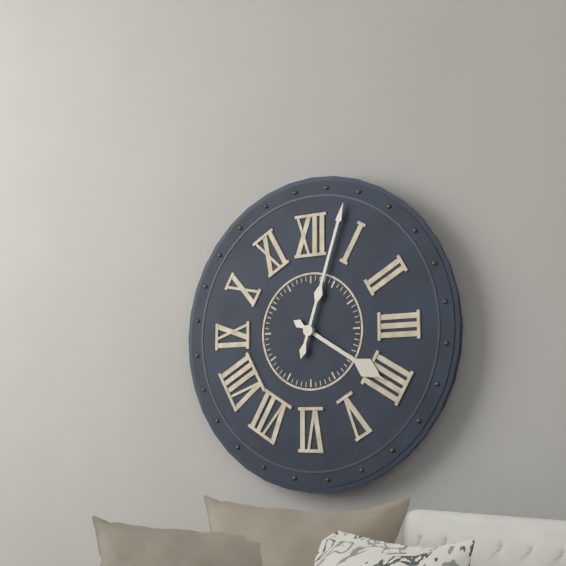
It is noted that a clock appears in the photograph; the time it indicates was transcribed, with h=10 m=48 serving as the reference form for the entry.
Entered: h=4 m=3
